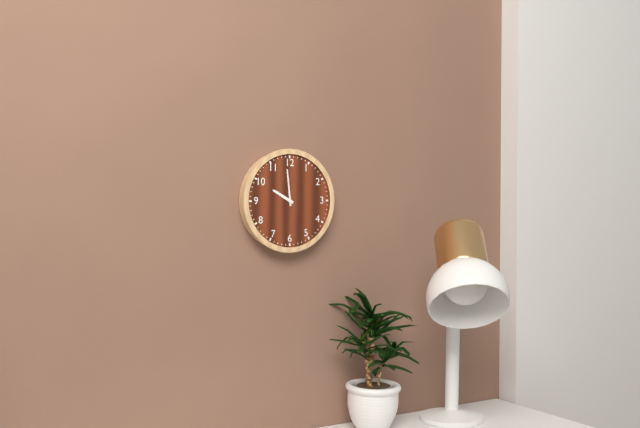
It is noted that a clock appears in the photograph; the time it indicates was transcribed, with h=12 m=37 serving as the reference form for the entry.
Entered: h=9 m=59
